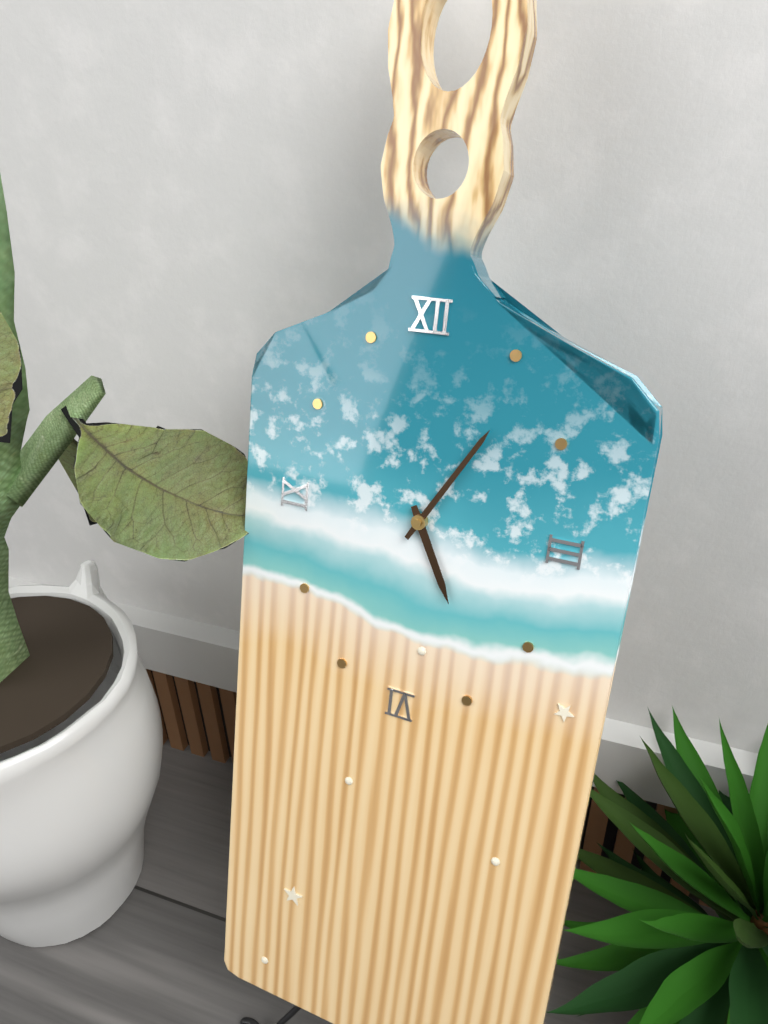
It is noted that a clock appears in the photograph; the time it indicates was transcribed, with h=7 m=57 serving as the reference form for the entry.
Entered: h=5 m=5
